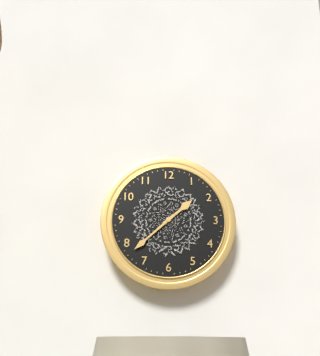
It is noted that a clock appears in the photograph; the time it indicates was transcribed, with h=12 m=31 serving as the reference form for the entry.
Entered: h=1 m=38
